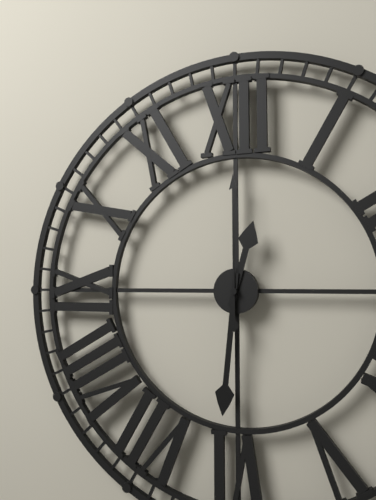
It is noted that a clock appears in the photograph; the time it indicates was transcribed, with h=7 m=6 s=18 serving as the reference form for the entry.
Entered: h=12 m=31 s=0
